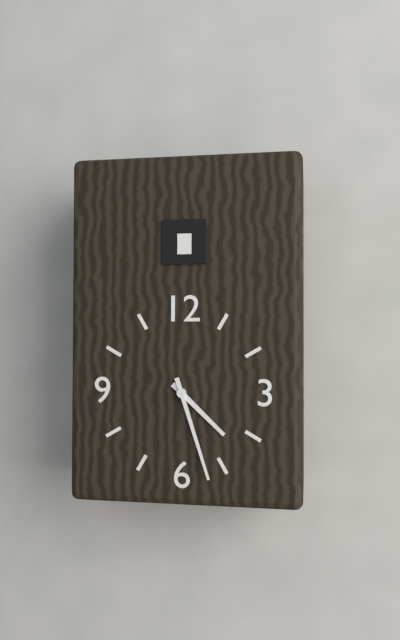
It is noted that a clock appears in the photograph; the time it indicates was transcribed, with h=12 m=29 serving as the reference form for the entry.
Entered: h=4 m=27
